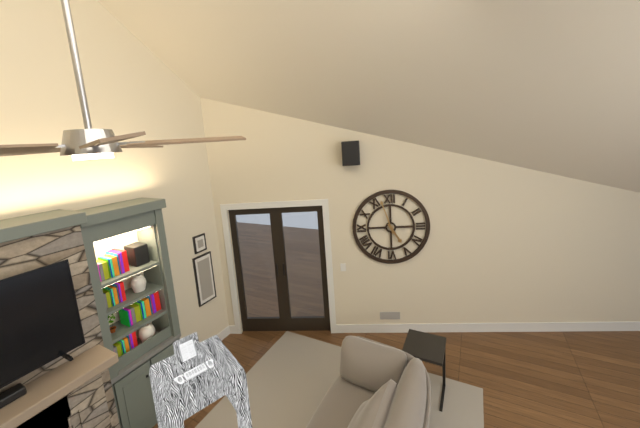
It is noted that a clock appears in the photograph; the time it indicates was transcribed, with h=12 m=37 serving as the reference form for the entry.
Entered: h=4 m=57
